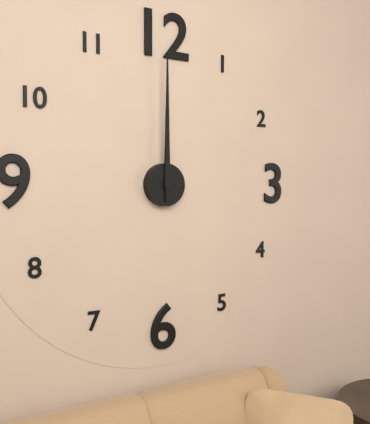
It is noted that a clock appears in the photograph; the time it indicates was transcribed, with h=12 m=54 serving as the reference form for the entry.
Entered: h=12 m=0
